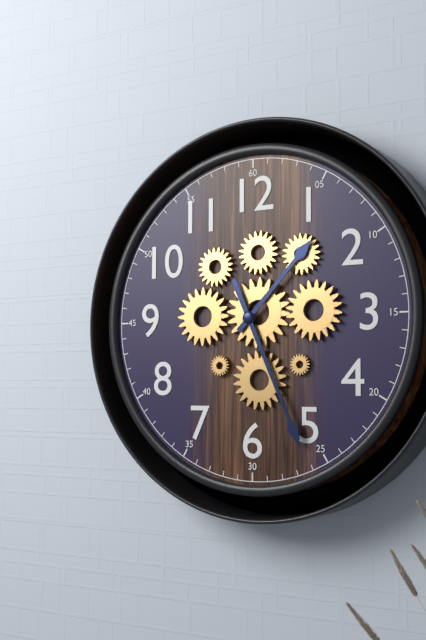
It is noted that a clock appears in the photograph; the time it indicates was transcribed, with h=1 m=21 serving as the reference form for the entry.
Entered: h=1 m=26
